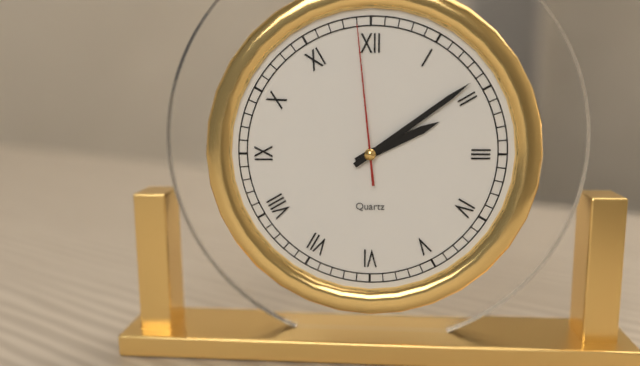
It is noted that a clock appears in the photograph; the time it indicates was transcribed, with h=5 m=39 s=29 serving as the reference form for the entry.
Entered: h=2 m=9 s=59
